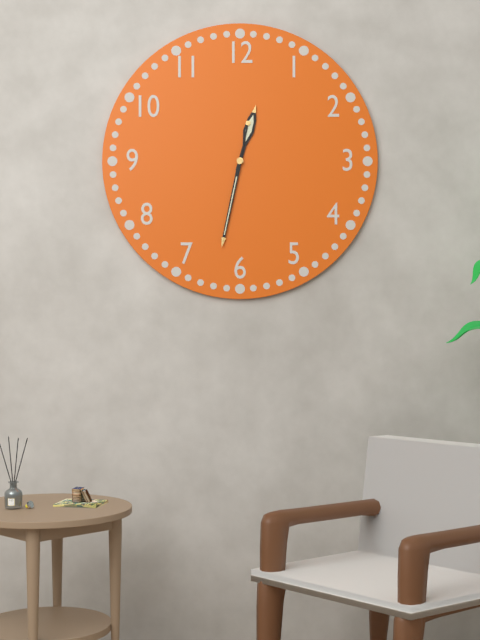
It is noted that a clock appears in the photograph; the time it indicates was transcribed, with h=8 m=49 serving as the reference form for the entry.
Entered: h=12 m=32
